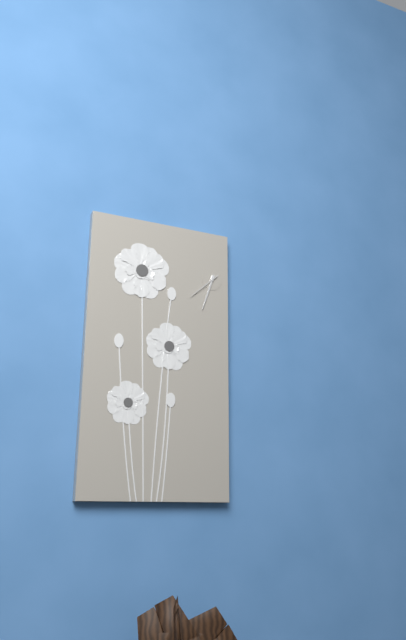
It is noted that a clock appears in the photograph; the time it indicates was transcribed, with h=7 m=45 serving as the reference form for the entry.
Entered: h=6 m=33
